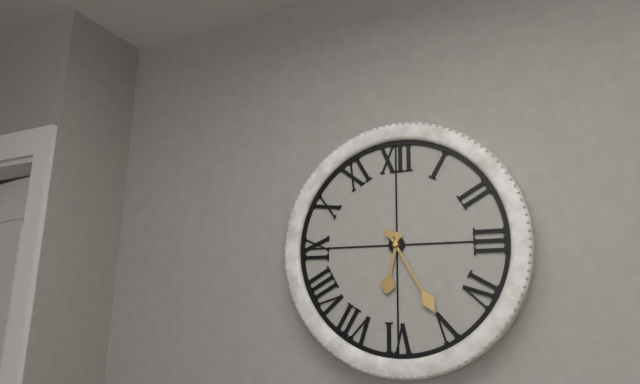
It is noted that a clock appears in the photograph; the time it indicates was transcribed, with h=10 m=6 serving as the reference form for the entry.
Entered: h=6 m=25
